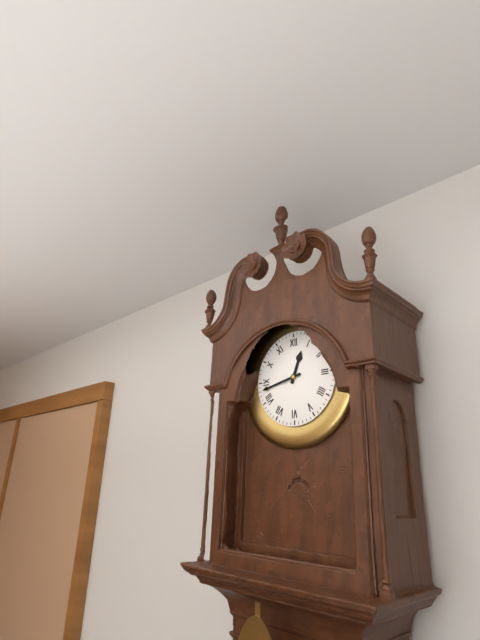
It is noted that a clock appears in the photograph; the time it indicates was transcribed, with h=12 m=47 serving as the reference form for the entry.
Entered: h=12 m=43
